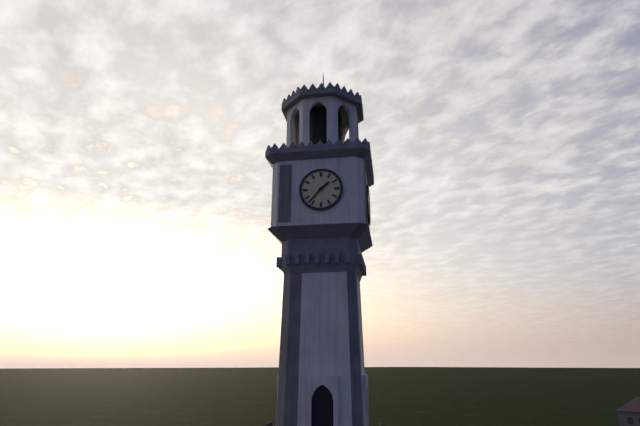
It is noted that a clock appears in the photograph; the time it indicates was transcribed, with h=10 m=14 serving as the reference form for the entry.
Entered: h=1 m=37
